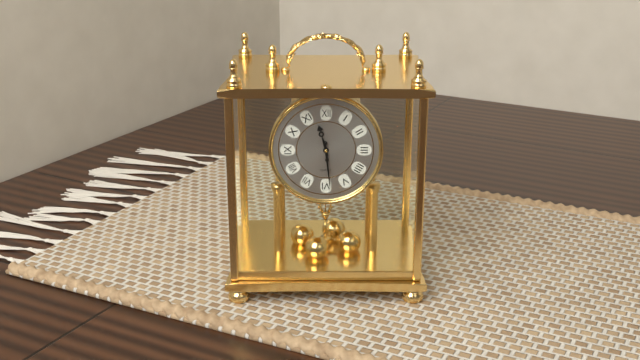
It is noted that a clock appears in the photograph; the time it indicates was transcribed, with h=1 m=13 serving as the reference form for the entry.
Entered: h=11 m=29
